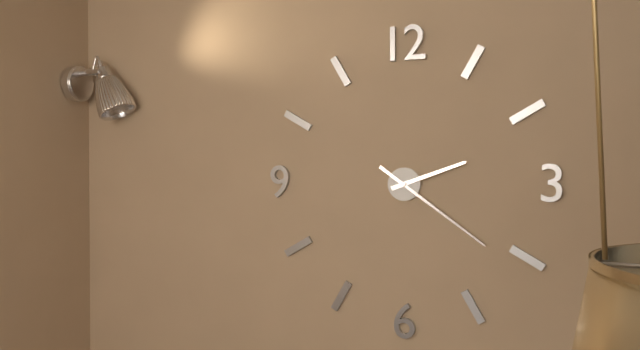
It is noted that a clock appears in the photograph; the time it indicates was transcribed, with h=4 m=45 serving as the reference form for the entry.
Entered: h=2 m=21
